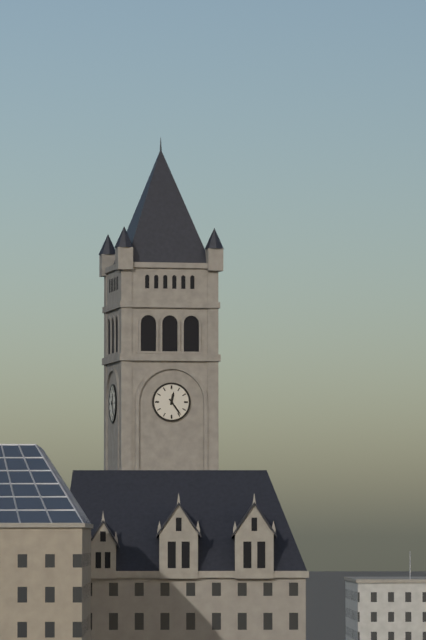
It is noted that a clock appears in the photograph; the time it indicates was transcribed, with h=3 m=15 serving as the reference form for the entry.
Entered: h=12 m=24
